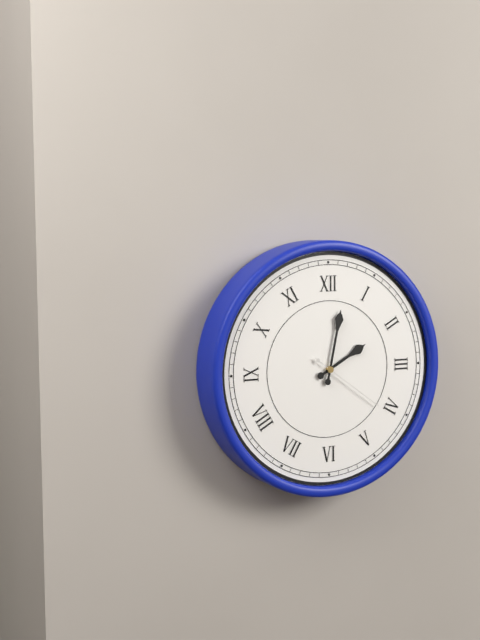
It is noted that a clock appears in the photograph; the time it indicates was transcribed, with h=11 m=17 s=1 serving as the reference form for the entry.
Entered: h=2 m=2 s=21
